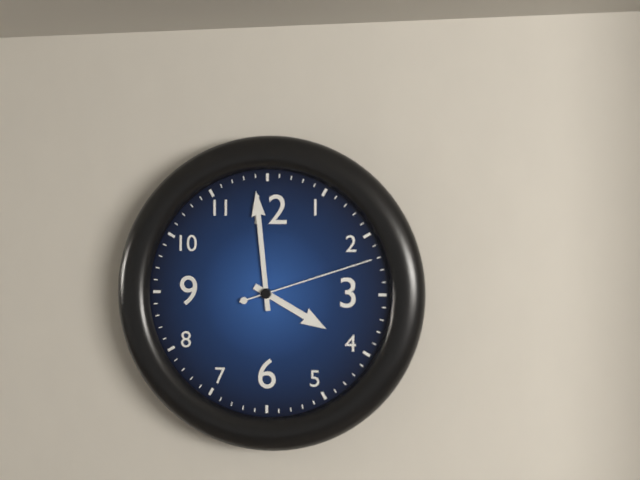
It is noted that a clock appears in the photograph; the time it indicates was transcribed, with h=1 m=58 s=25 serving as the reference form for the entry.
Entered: h=3 m=59 s=12
